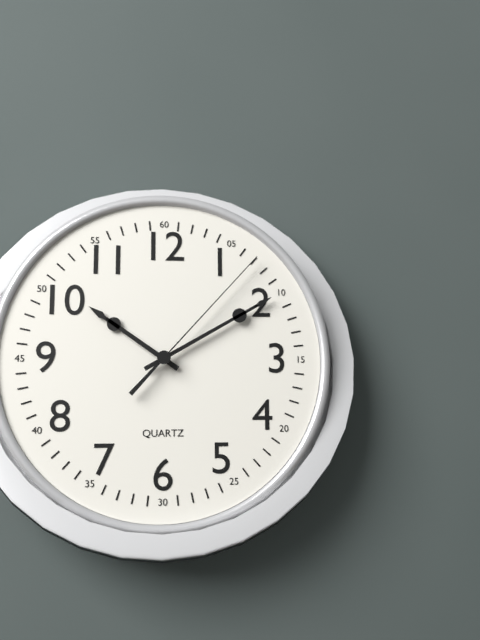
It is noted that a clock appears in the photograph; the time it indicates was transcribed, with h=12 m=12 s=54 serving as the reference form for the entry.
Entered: h=10 m=10 s=7
